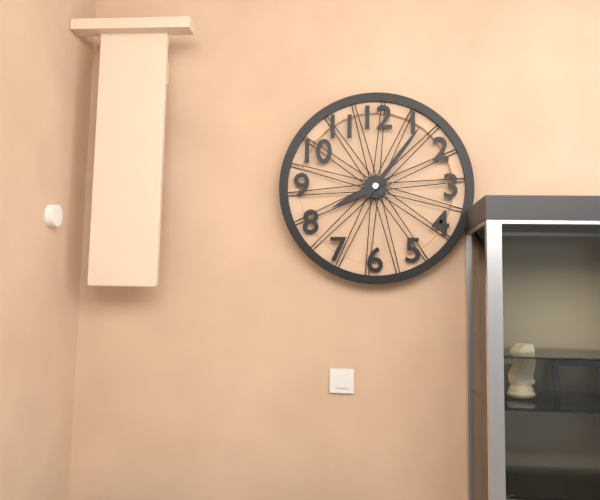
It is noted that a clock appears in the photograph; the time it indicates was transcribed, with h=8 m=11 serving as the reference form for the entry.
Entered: h=8 m=6
